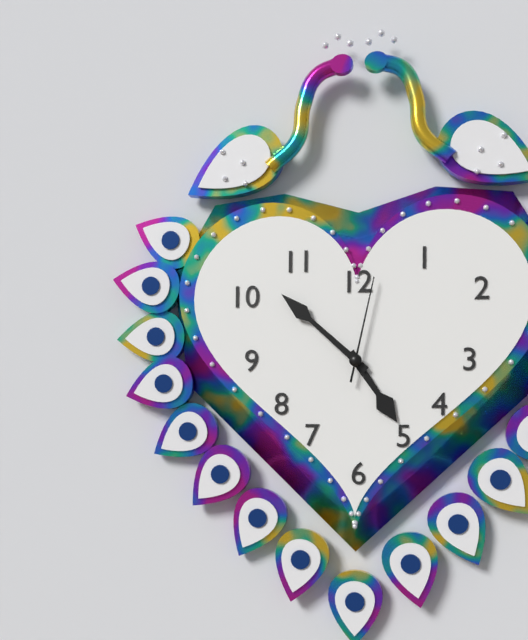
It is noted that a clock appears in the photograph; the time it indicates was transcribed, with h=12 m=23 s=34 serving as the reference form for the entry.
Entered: h=4 m=52 s=2
